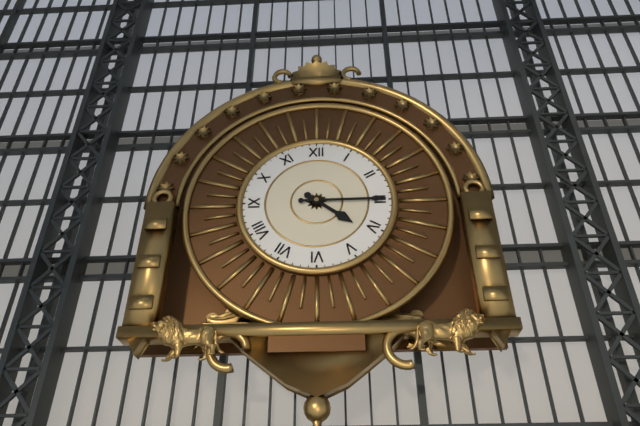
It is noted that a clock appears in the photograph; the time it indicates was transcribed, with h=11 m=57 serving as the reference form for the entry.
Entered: h=4 m=15
